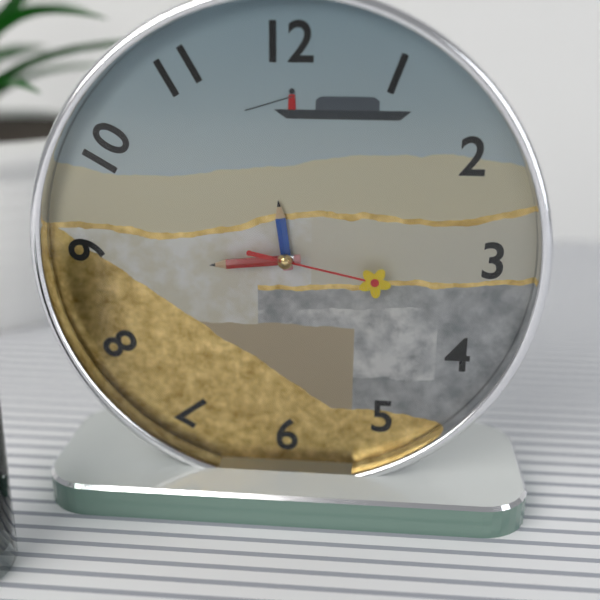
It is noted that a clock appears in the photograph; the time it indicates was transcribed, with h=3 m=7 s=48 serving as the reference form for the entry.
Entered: h=11 m=44 s=17
